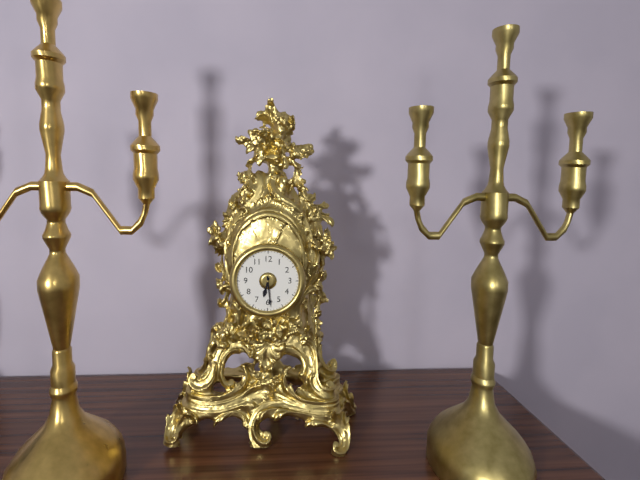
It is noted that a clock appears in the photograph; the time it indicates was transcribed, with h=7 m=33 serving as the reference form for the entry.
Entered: h=6 m=29
